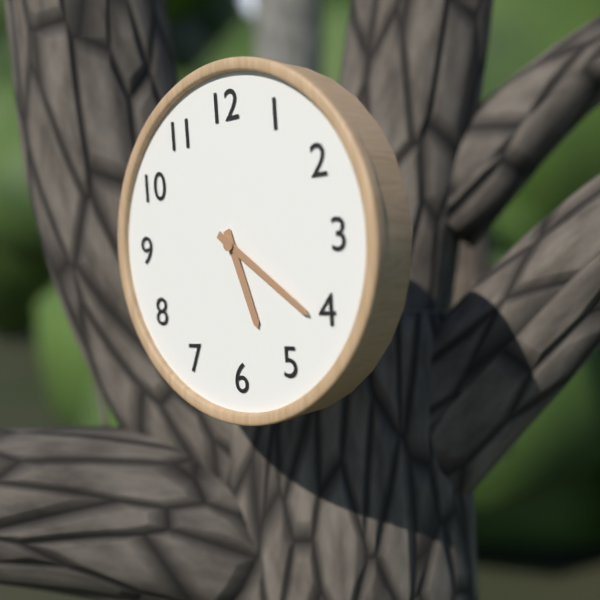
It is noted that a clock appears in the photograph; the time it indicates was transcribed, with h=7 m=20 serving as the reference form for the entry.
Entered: h=5 m=21
